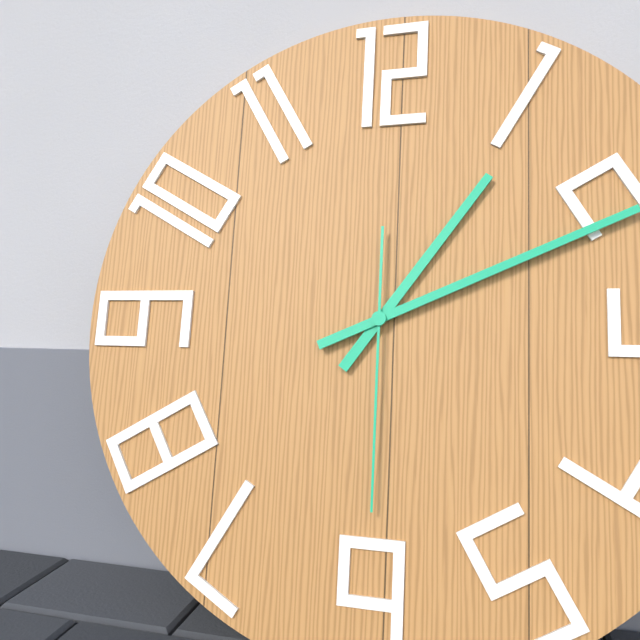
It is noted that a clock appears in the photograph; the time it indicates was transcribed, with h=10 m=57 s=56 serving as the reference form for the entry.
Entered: h=1 m=11 s=30
